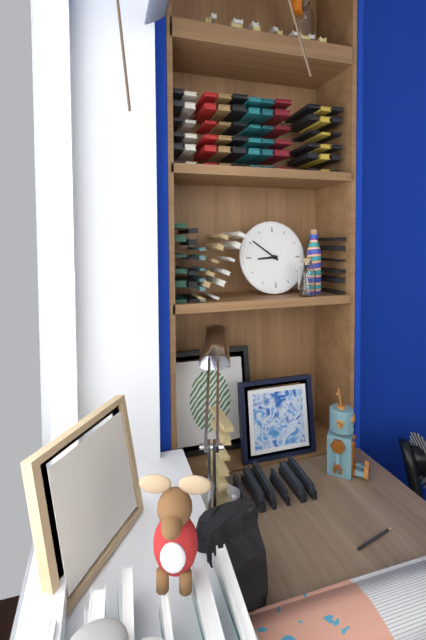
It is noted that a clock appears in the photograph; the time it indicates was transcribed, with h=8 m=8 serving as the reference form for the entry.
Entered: h=8 m=51
